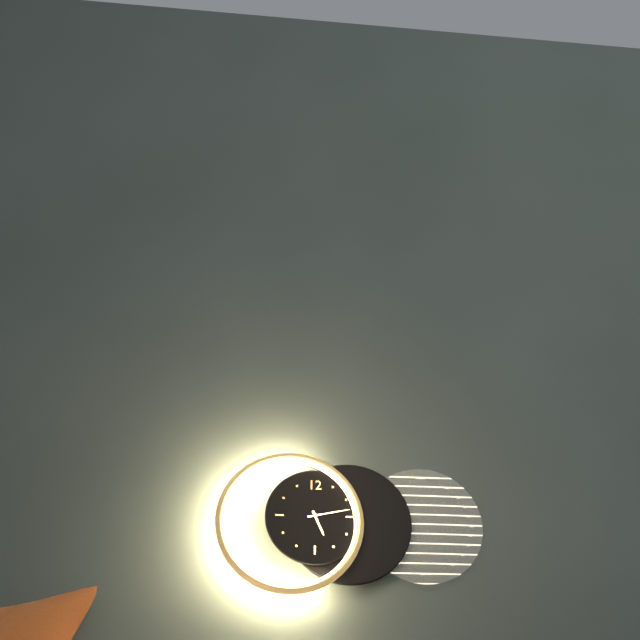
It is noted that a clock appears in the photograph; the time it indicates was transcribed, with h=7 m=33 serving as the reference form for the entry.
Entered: h=5 m=13
